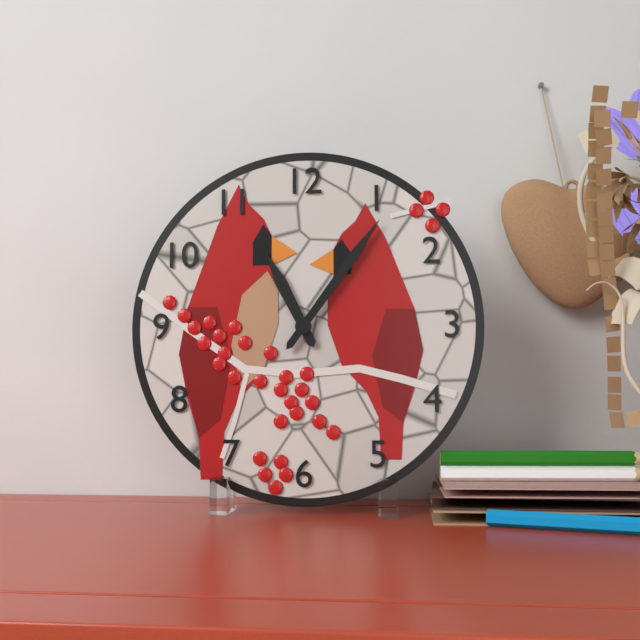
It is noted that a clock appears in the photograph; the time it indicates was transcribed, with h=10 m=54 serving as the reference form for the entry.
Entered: h=11 m=6
